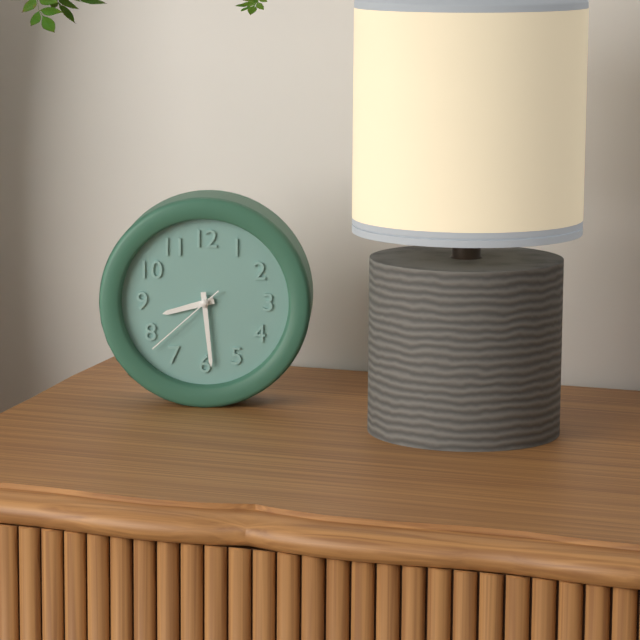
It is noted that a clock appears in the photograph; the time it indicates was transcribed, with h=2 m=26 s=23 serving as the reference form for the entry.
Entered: h=8 m=29 s=38
